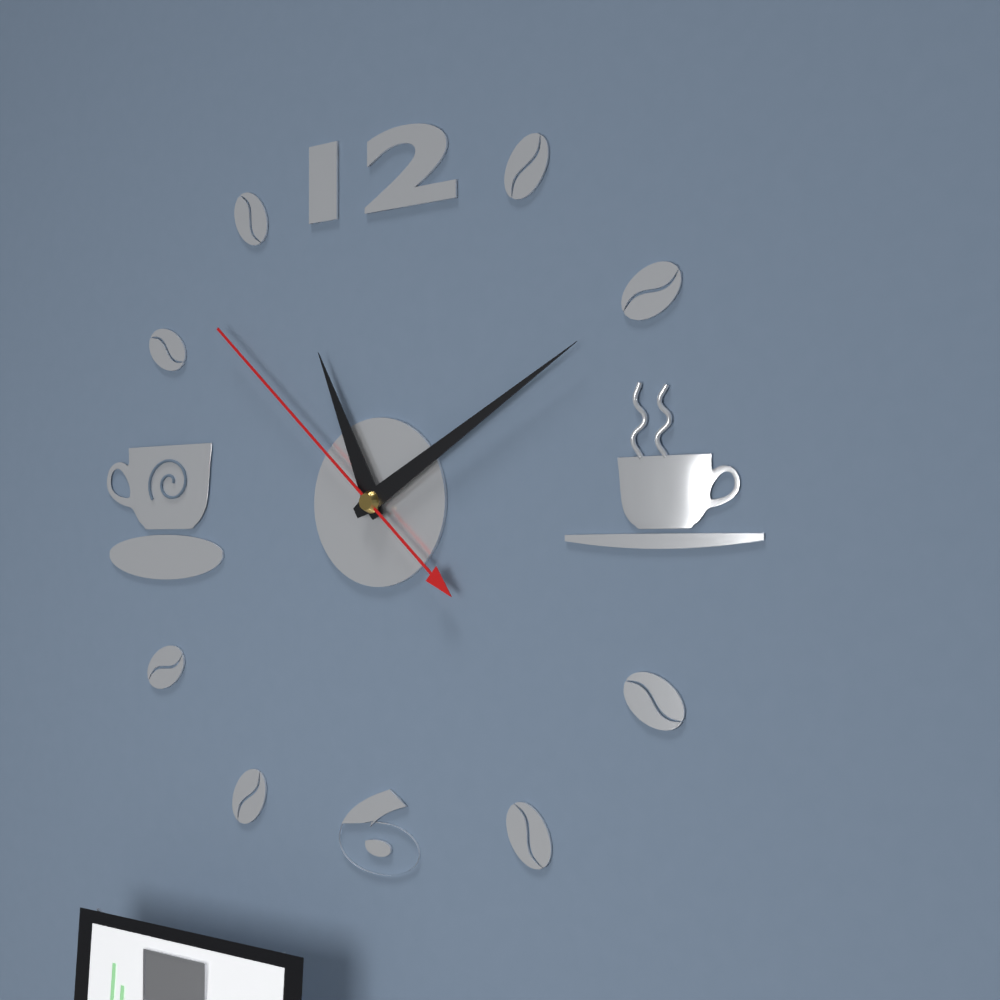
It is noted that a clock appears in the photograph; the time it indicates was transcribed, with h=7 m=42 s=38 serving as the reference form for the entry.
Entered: h=11 m=10 s=52
